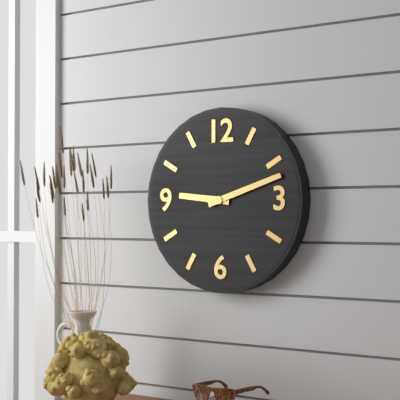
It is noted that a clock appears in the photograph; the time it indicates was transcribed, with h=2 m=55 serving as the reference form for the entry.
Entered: h=9 m=12
